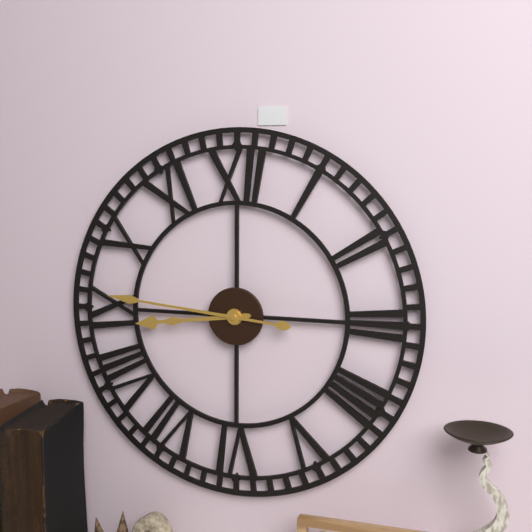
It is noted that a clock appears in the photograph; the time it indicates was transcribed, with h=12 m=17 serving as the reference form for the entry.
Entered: h=8 m=46
